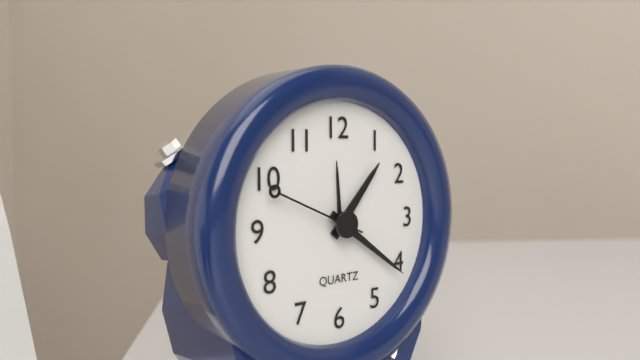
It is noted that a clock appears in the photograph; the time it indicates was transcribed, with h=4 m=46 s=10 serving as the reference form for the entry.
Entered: h=1 m=21 s=49
